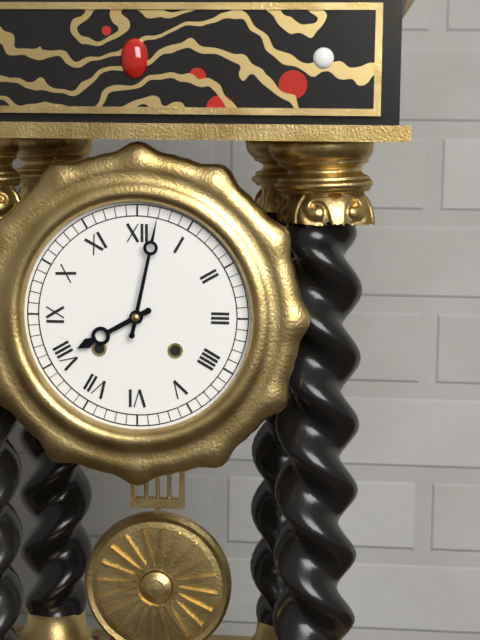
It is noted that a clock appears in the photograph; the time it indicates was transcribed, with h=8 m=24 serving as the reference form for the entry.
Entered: h=8 m=2
